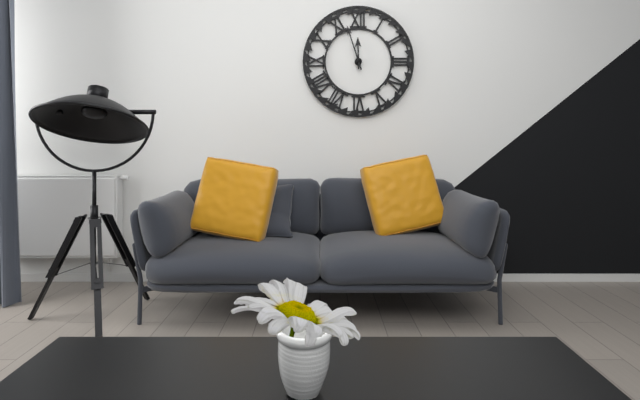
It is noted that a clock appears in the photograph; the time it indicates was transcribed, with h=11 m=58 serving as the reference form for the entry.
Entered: h=11 m=57
